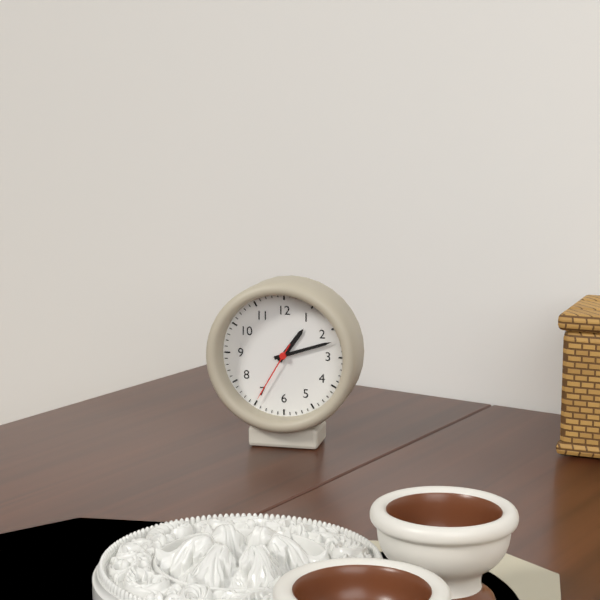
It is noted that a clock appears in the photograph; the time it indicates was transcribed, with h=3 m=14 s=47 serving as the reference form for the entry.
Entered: h=1 m=12 s=35
